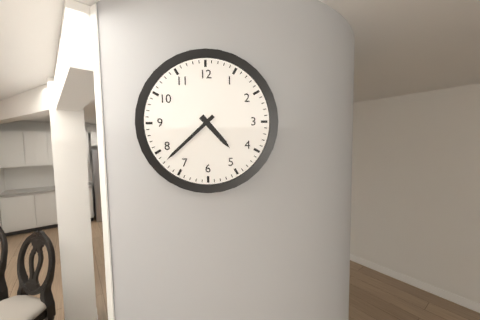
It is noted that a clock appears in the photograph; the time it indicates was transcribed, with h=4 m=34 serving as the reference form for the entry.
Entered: h=4 m=38
